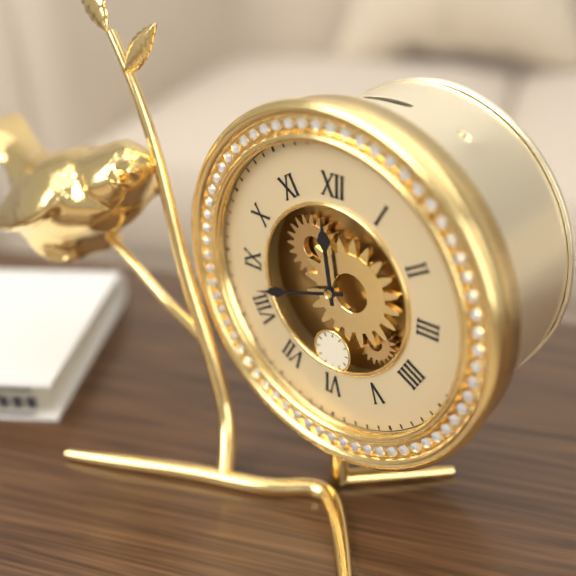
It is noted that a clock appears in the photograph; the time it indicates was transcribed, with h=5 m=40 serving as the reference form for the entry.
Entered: h=11 m=42
